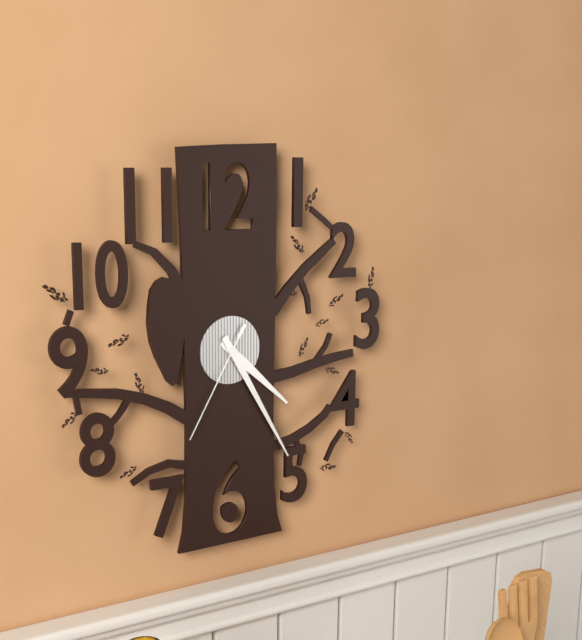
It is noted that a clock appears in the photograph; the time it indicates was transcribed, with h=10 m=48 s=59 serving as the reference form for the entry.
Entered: h=4 m=25 s=35
